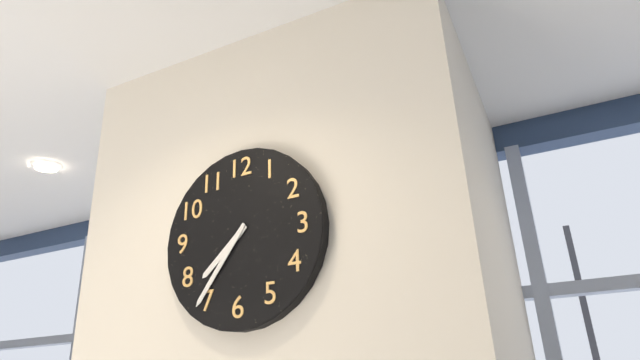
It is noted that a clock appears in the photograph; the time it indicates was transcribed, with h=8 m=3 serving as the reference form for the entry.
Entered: h=7 m=36
